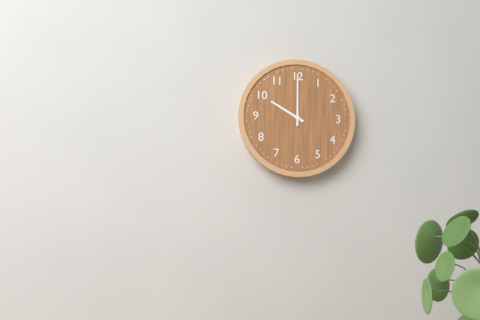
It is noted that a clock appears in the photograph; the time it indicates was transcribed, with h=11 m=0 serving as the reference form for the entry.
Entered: h=10 m=0
